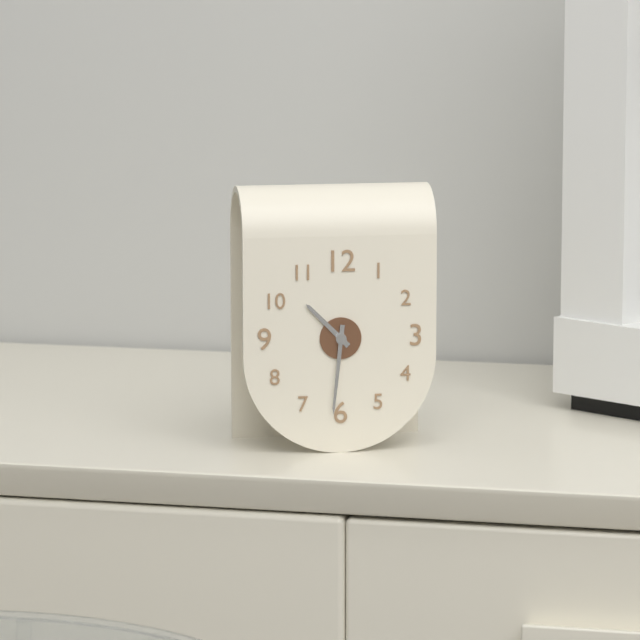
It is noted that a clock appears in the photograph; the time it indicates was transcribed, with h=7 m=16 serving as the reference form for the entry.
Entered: h=10 m=31
